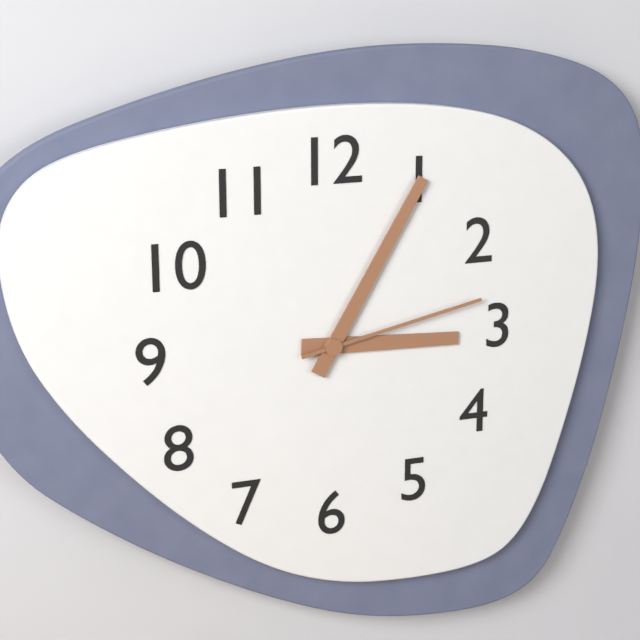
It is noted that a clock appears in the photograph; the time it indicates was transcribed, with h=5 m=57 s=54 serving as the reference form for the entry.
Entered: h=3 m=5 s=13
